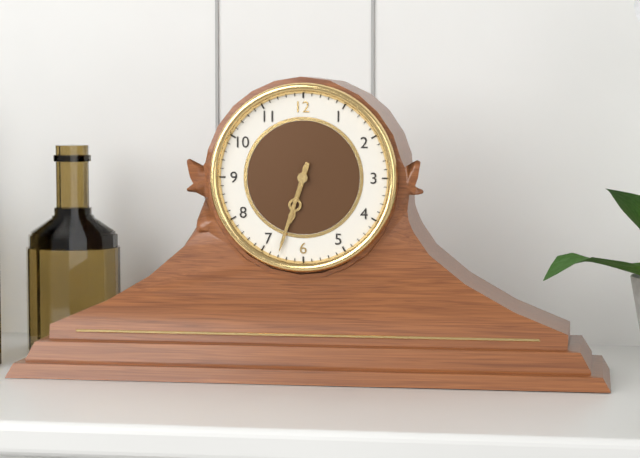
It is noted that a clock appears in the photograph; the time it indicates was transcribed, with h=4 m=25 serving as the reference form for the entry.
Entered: h=6 m=33
